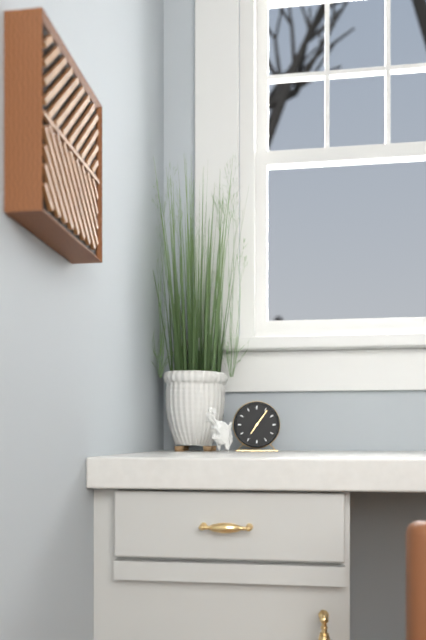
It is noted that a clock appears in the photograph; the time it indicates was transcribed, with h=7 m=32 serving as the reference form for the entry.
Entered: h=7 m=6
